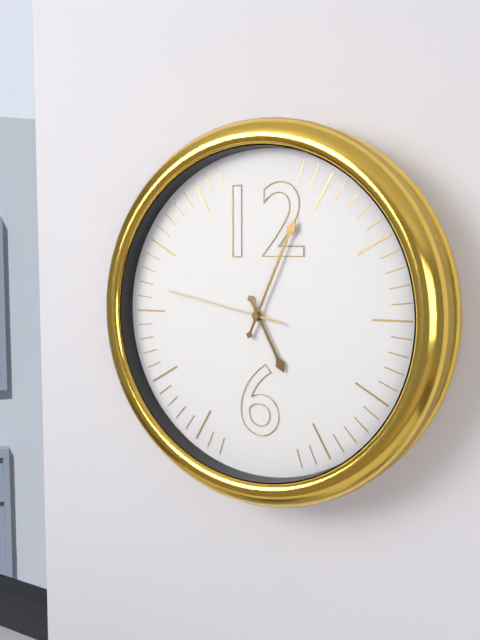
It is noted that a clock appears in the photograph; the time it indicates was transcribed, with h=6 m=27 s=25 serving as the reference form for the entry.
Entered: h=5 m=4 s=47
